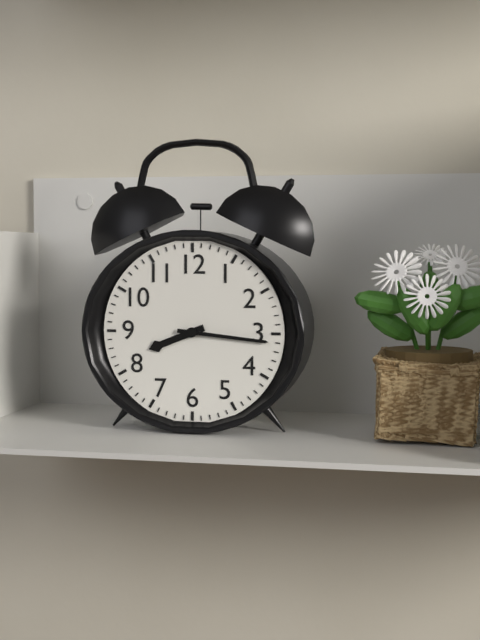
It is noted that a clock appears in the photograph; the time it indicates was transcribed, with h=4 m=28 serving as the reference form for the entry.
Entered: h=8 m=16
